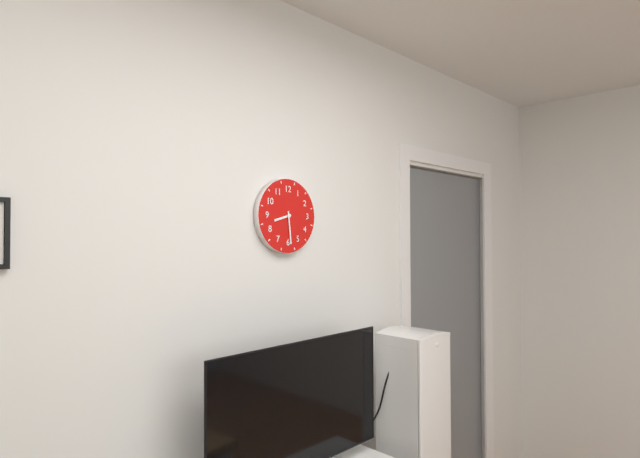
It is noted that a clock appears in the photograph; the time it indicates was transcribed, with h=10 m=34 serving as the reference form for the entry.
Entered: h=8 m=29
